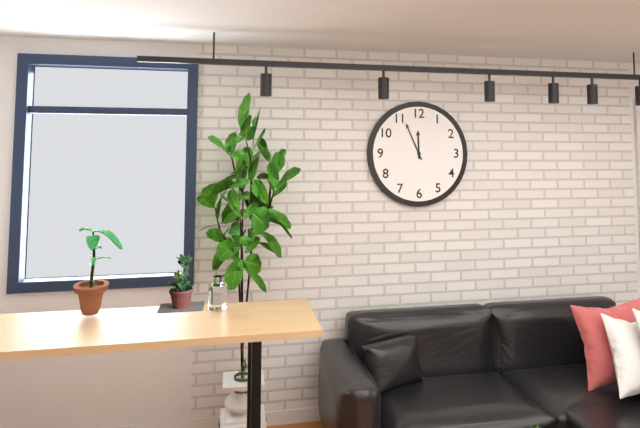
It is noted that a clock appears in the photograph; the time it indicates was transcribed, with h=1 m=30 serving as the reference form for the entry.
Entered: h=11 m=56
